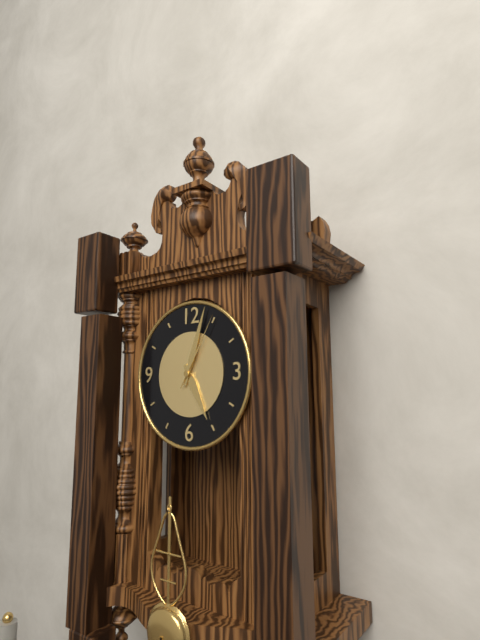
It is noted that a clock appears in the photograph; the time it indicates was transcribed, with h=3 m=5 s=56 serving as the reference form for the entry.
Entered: h=5 m=3 s=5
